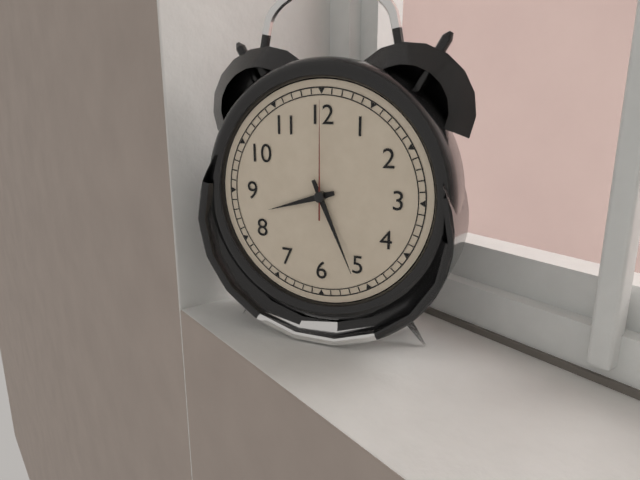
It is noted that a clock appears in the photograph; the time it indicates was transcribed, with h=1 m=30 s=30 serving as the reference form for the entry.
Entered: h=8 m=26 s=0
